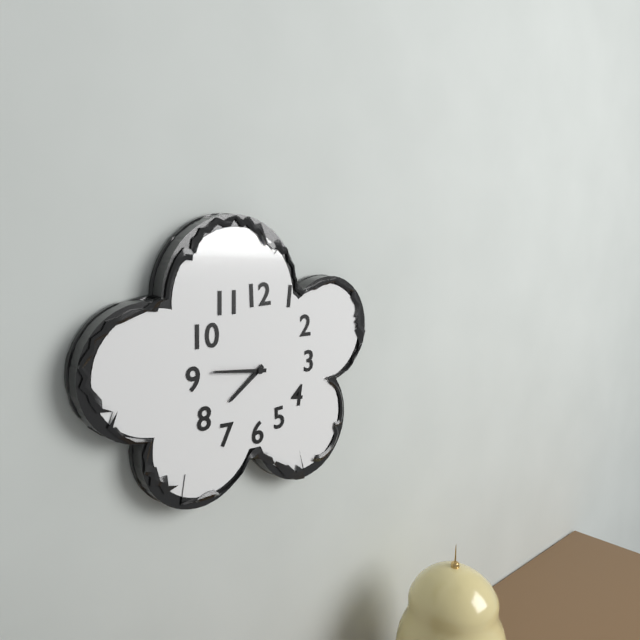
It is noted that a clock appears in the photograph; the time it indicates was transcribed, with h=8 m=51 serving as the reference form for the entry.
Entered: h=7 m=46
